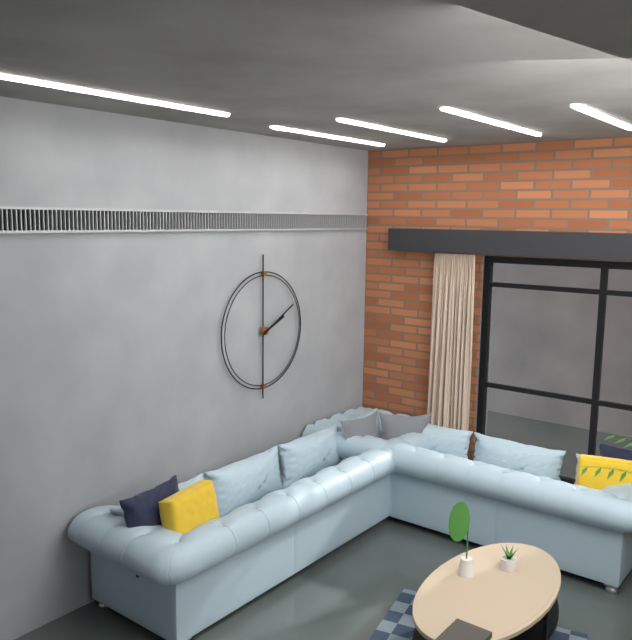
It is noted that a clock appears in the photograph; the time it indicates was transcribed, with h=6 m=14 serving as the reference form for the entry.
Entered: h=2 m=10
